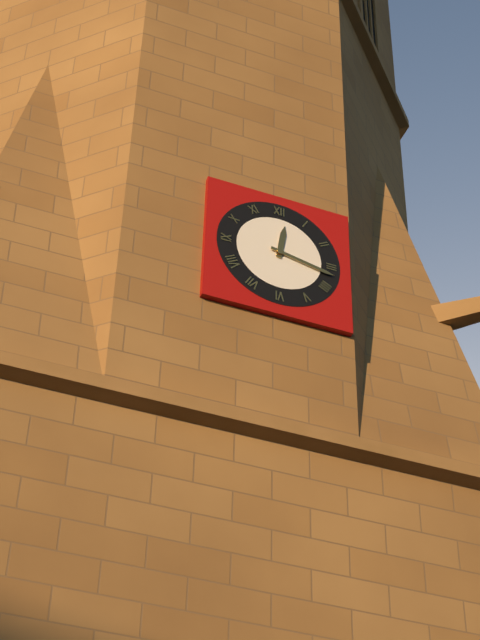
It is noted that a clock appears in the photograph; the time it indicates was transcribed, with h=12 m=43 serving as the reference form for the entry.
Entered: h=12 m=17
